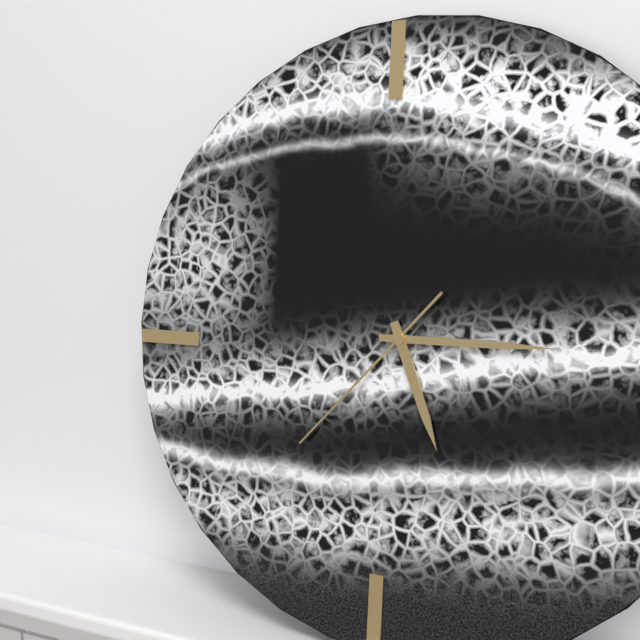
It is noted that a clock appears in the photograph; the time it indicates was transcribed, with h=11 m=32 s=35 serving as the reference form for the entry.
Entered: h=5 m=15 s=37
